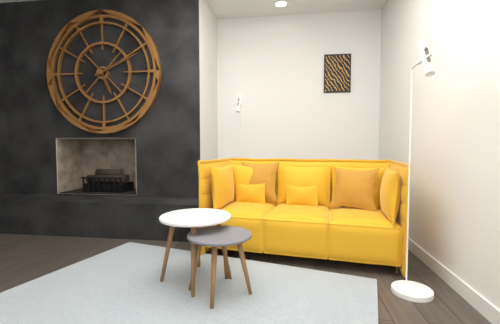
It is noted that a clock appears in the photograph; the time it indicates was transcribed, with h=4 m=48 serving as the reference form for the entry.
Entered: h=5 m=11
